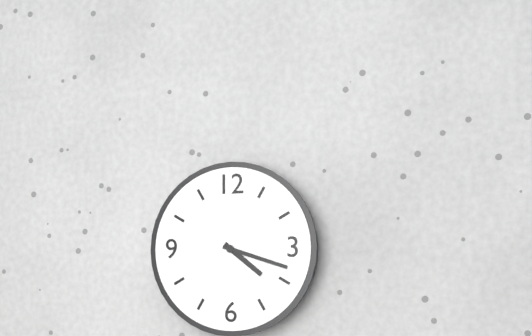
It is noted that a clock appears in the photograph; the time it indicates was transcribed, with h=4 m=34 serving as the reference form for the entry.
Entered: h=4 m=18
